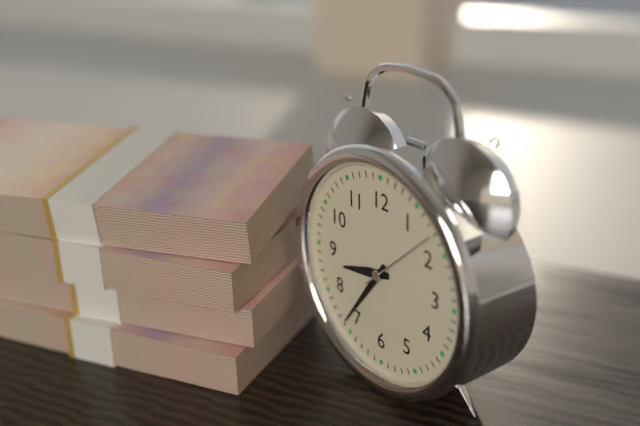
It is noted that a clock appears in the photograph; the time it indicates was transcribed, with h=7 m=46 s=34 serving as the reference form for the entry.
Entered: h=8 m=36 s=8
